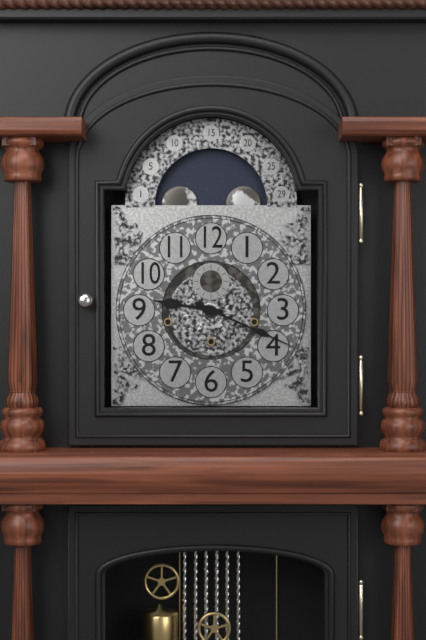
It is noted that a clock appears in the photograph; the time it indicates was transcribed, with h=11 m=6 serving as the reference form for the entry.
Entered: h=9 m=19
